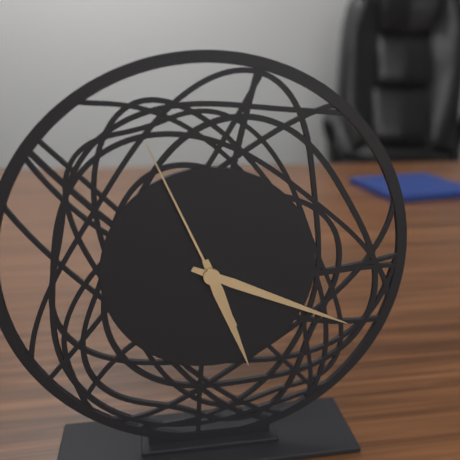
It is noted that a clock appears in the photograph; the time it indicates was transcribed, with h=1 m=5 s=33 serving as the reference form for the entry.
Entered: h=5 m=19 s=56
